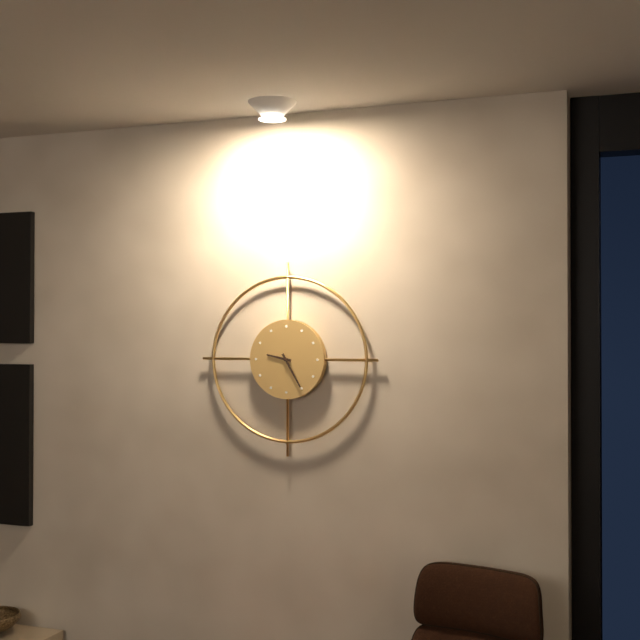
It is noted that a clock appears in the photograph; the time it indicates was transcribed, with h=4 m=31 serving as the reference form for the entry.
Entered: h=9 m=25
